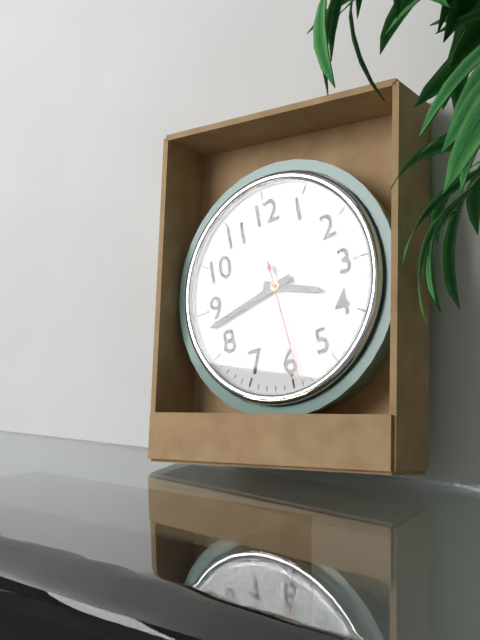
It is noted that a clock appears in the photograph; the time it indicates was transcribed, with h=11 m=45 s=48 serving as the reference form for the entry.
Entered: h=3 m=43 s=29
